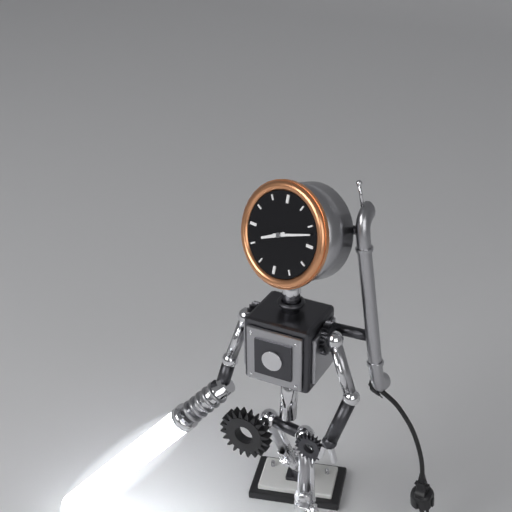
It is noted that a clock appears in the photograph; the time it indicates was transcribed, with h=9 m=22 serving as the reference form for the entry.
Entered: h=8 m=12
